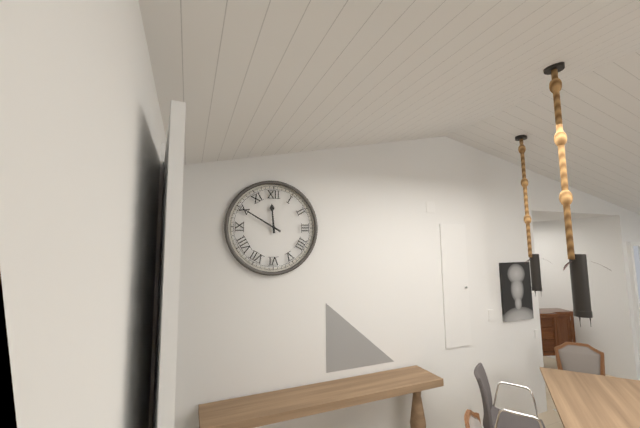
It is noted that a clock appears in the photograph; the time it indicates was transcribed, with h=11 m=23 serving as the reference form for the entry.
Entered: h=11 m=50
